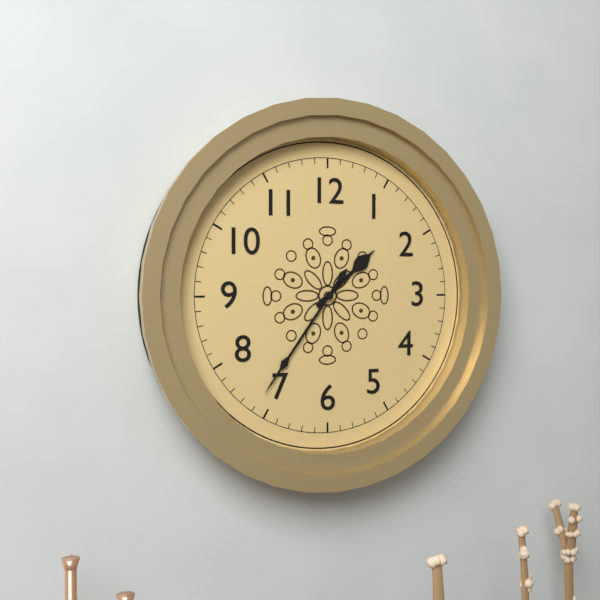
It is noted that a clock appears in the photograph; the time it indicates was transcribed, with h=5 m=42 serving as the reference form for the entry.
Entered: h=1 m=36
